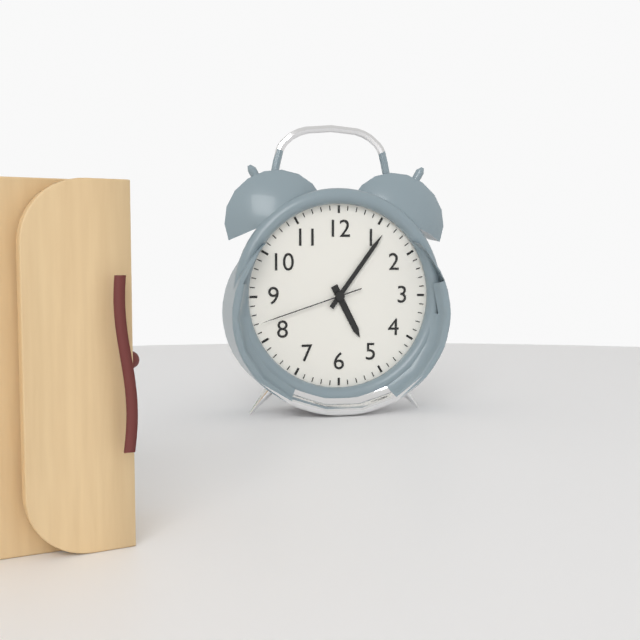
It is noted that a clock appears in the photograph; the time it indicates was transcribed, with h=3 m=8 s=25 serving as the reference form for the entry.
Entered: h=5 m=6 s=42
